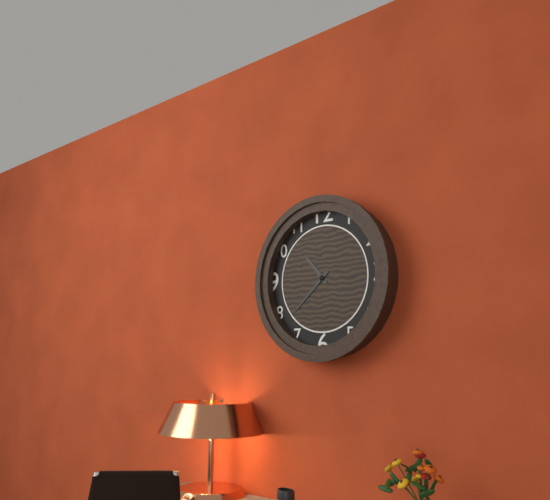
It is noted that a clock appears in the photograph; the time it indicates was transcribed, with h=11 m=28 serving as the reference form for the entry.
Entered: h=10 m=38
